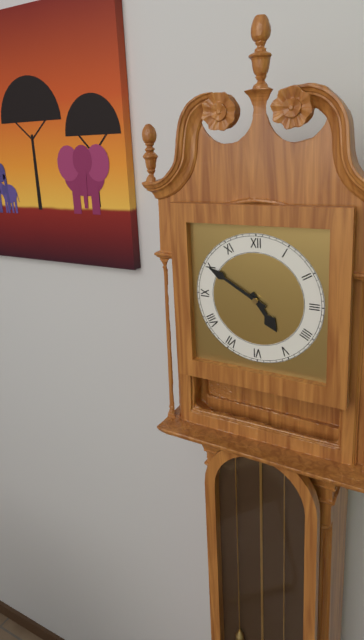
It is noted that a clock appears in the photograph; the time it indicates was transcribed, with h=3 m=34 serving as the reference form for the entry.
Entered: h=4 m=50
